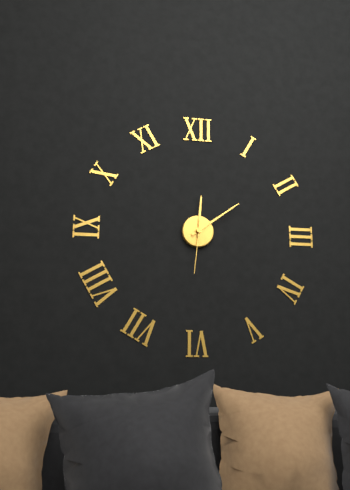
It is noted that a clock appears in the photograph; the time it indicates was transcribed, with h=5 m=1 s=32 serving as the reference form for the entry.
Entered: h=12 m=9 s=31
